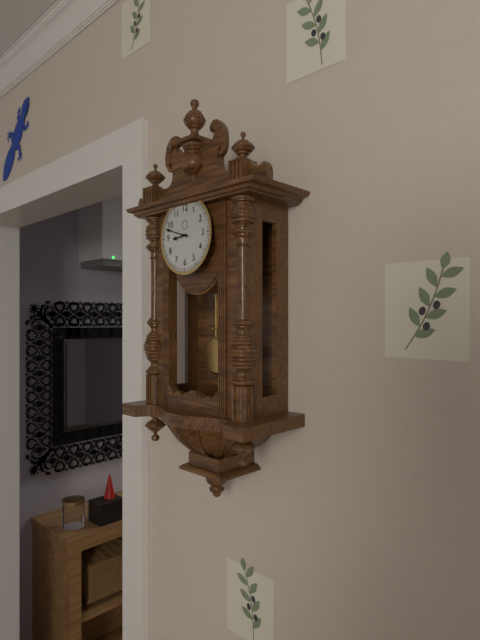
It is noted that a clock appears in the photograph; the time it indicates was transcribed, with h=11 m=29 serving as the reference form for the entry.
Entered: h=8 m=48
